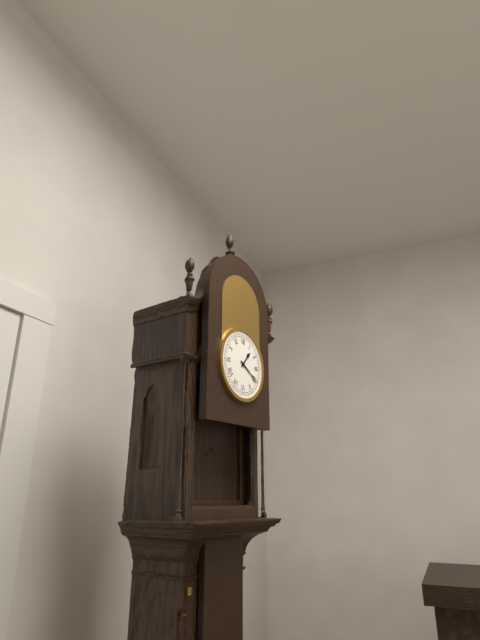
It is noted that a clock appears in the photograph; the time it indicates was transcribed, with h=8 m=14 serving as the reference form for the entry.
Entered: h=1 m=20
